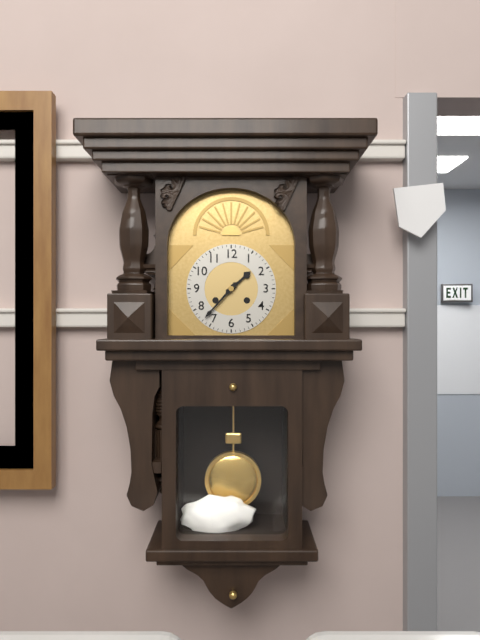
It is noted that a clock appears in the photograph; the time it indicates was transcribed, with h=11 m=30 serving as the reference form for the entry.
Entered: h=1 m=37
